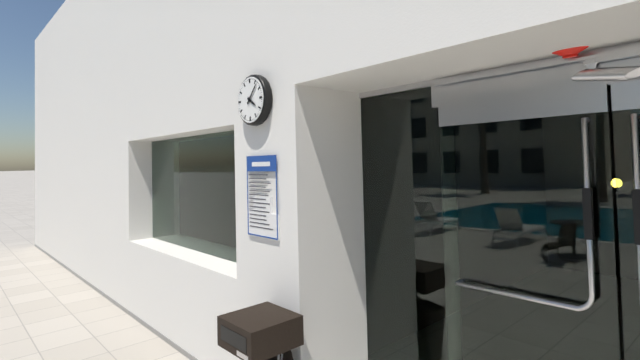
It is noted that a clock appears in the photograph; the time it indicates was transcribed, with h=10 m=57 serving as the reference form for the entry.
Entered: h=4 m=7
